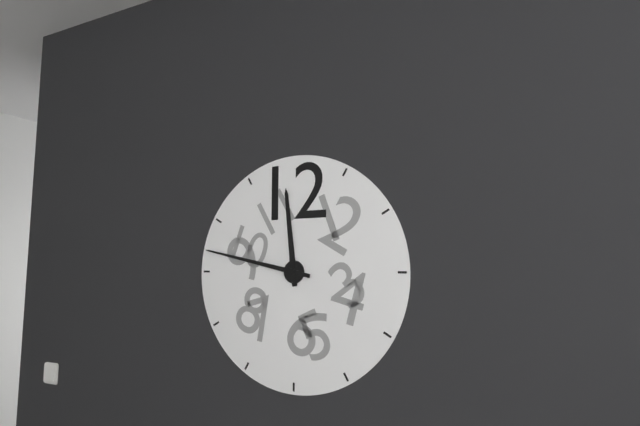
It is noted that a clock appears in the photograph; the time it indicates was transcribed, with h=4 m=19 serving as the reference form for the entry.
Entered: h=11 m=47
